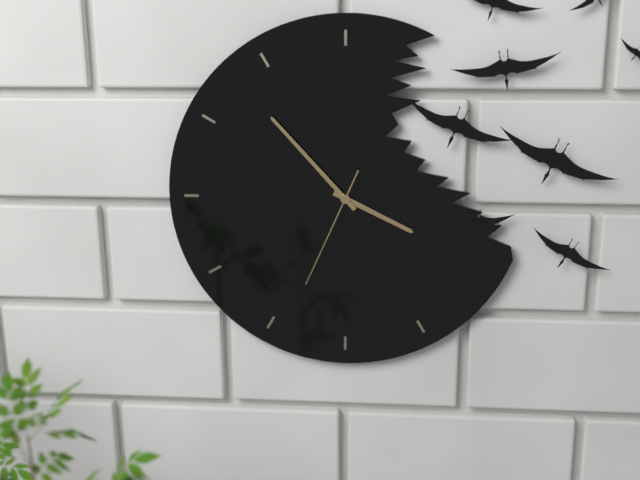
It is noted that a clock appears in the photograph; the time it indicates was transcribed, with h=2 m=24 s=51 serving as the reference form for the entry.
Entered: h=3 m=53 s=34
